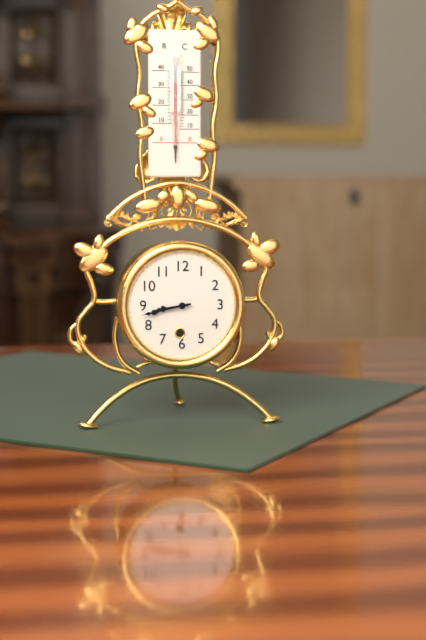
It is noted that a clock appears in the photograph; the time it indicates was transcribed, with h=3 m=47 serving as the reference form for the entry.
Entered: h=8 m=43
